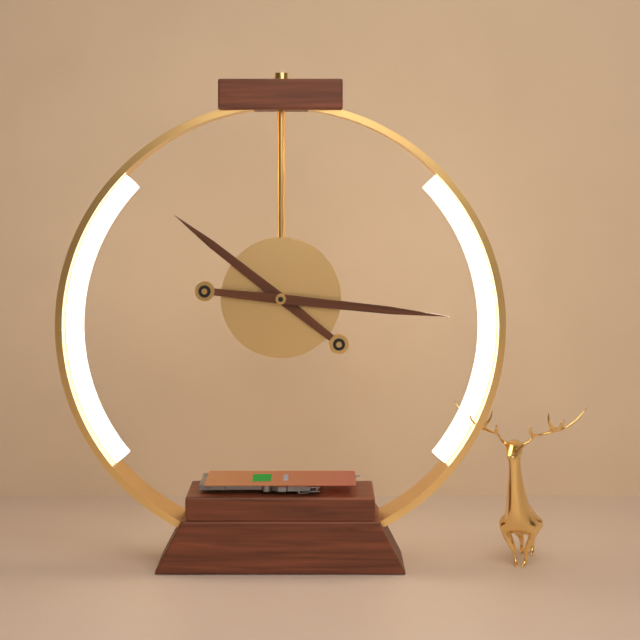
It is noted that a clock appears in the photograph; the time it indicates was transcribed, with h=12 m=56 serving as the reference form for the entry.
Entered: h=10 m=16
